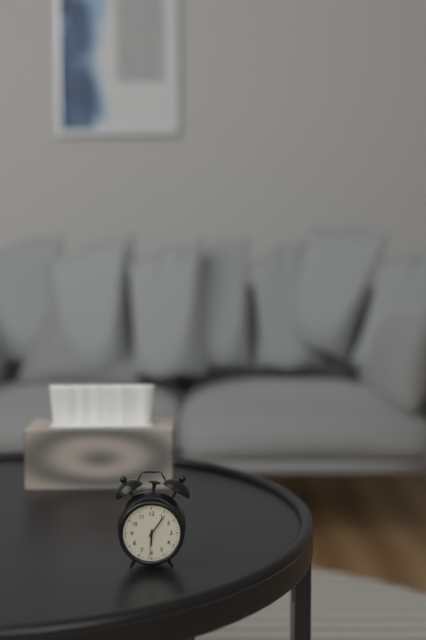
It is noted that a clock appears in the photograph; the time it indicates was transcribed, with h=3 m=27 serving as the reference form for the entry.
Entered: h=6 m=6
